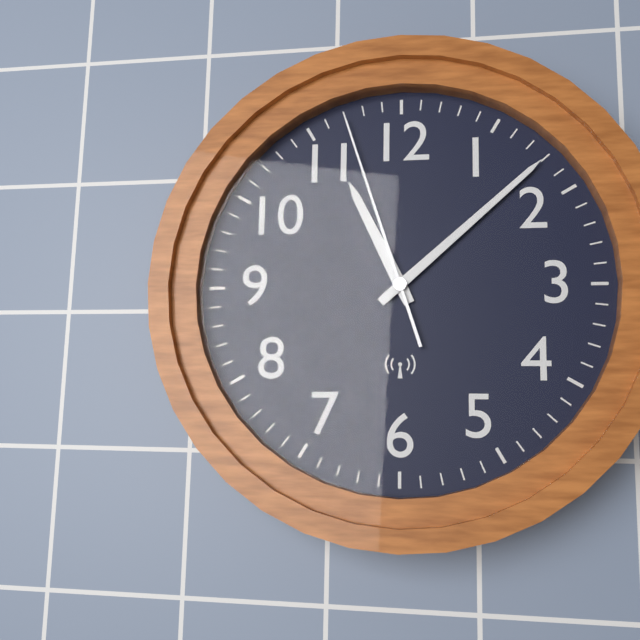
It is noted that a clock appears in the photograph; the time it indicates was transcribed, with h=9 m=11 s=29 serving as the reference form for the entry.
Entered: h=11 m=8 s=57
